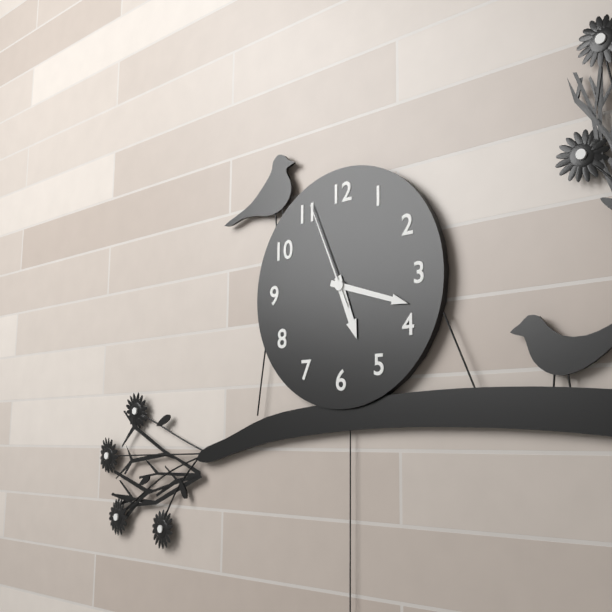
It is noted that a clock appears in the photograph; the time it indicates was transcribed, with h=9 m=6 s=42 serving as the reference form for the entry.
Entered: h=5 m=18 s=56
